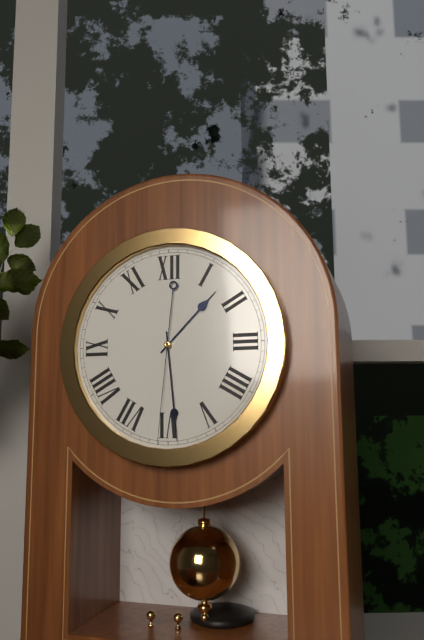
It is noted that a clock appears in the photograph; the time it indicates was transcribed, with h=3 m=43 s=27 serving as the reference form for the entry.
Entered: h=1 m=29 s=31
